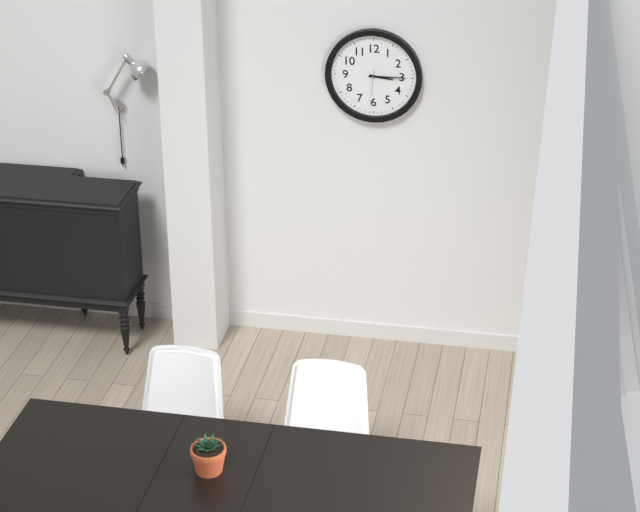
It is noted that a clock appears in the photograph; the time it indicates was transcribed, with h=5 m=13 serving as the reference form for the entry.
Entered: h=3 m=15
